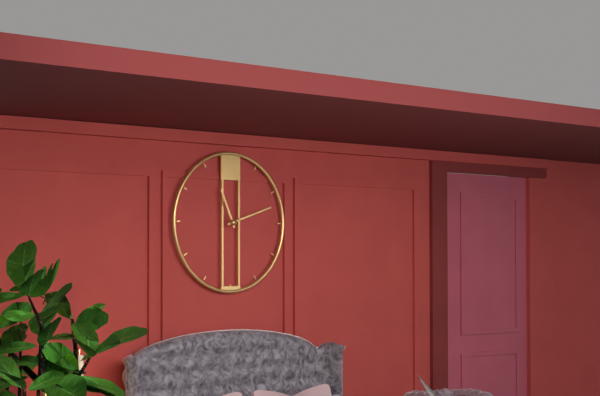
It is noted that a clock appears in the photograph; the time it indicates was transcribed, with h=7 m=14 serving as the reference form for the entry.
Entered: h=11 m=12
